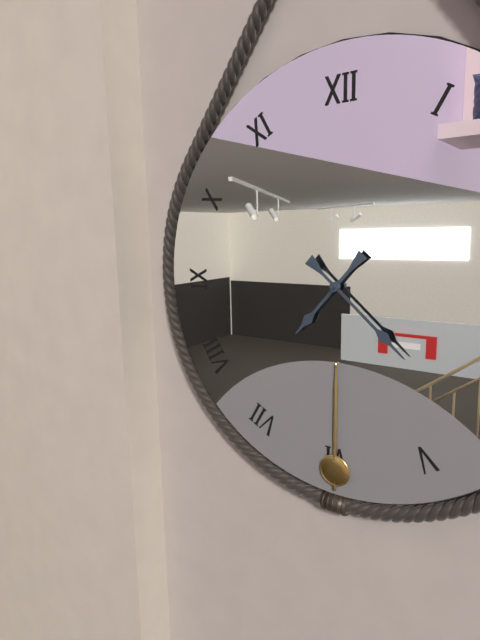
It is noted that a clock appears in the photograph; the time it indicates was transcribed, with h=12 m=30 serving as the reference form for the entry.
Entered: h=7 m=22
